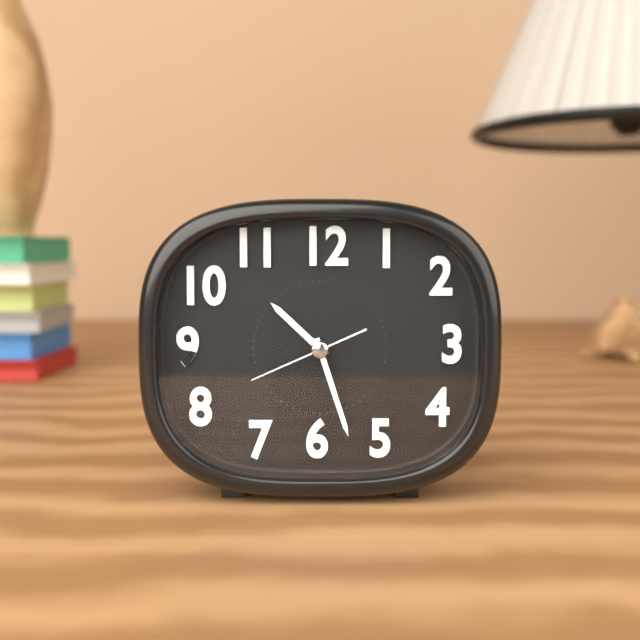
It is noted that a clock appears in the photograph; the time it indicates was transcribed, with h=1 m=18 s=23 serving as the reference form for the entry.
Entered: h=10 m=27 s=41
